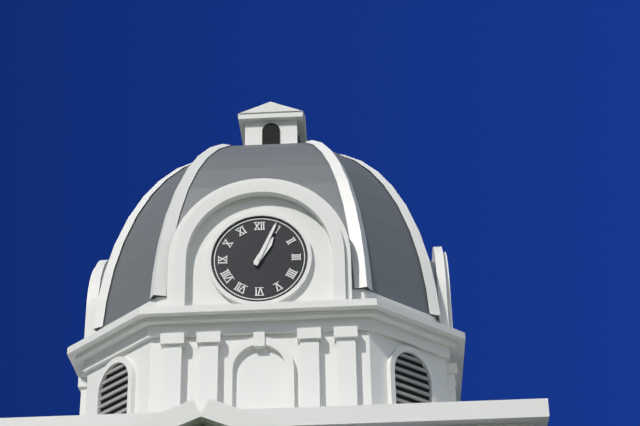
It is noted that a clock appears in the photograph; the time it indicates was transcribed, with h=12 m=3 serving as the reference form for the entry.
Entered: h=1 m=4
